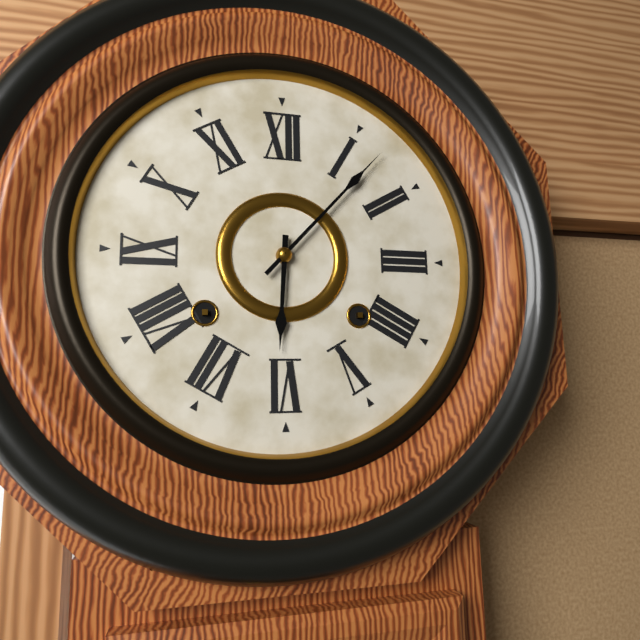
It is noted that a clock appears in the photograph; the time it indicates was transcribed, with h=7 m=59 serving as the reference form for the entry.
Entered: h=6 m=7
